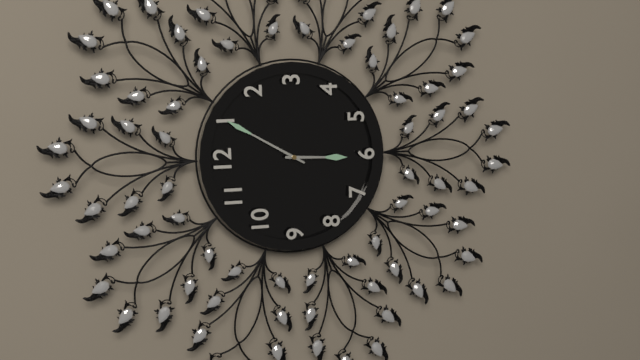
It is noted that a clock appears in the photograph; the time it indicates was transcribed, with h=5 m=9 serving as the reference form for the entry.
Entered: h=6 m=5
